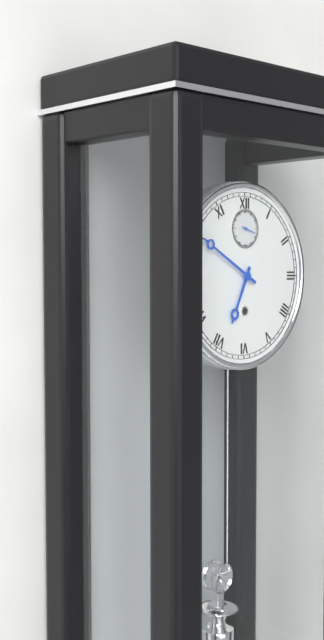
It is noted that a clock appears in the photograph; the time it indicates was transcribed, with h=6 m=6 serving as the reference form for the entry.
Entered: h=6 m=50
